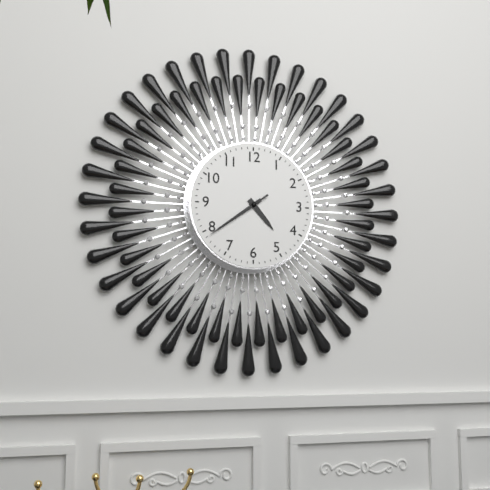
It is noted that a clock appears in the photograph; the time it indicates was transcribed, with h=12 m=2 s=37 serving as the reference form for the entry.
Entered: h=4 m=39 s=39
